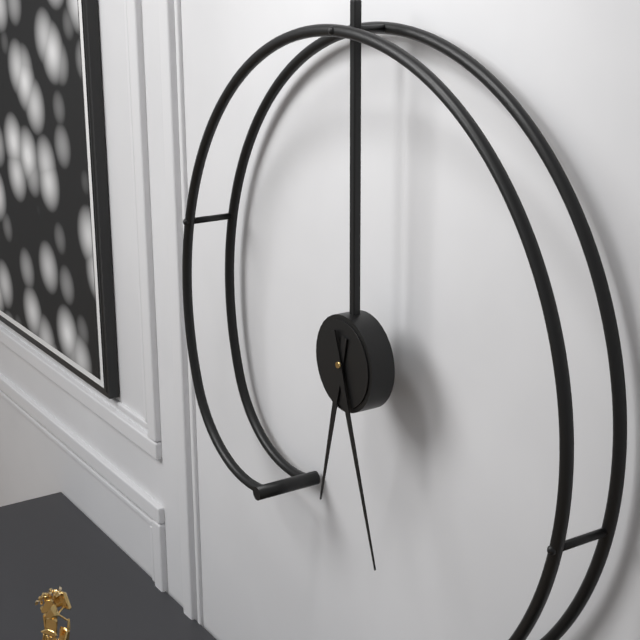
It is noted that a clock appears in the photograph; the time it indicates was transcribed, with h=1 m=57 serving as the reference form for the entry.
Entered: h=6 m=27
